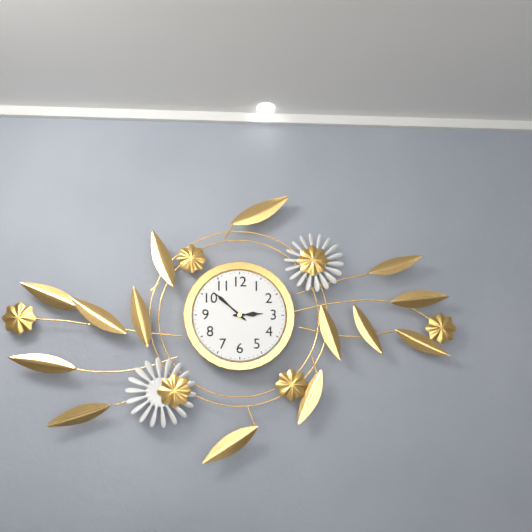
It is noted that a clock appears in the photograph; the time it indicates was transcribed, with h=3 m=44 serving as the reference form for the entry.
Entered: h=2 m=52
